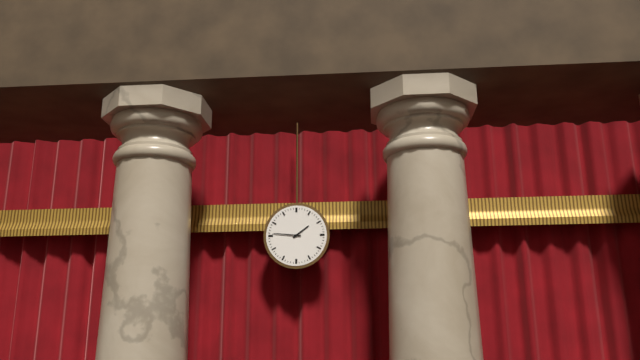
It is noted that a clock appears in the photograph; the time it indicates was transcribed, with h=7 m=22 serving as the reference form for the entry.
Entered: h=1 m=46
